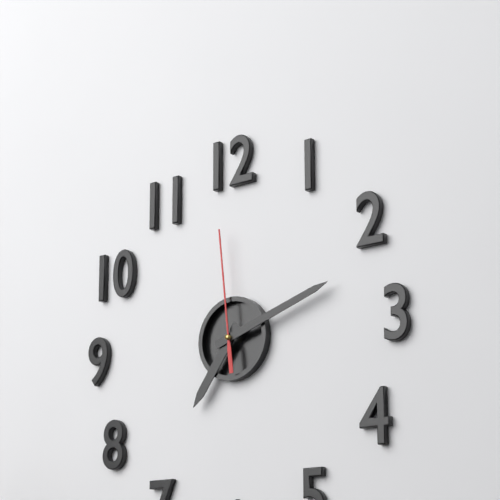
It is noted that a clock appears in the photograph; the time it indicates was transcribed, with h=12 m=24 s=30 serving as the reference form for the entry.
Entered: h=7 m=12 s=59
